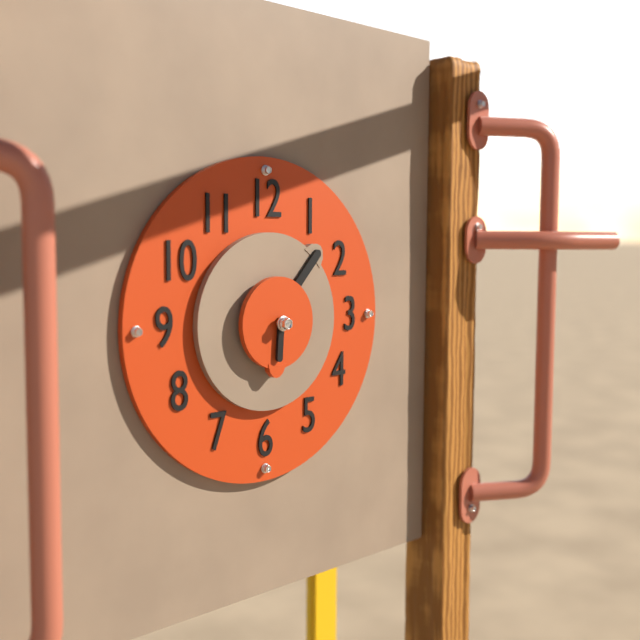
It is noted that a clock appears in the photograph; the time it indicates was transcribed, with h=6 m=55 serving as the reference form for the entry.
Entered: h=6 m=7
